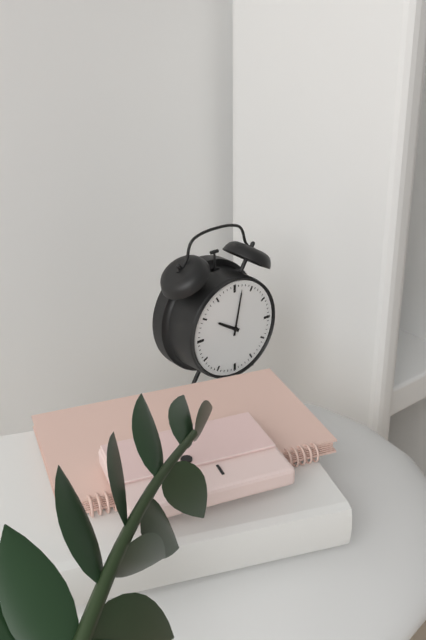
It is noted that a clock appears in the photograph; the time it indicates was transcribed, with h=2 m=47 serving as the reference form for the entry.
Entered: h=10 m=2
